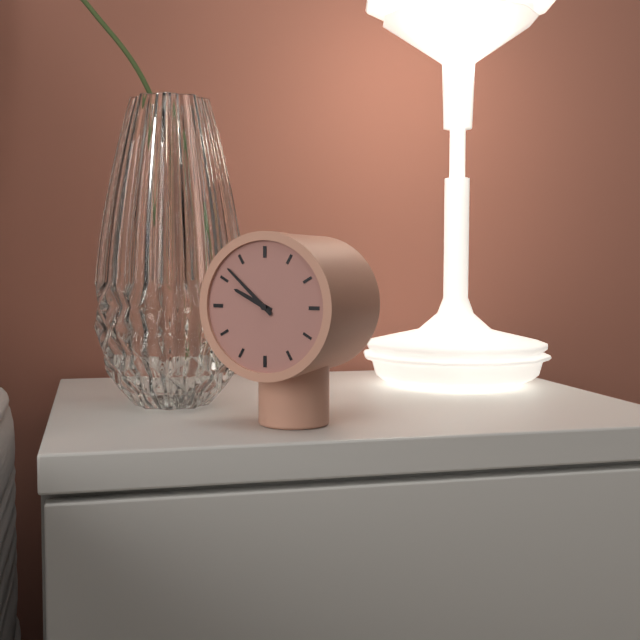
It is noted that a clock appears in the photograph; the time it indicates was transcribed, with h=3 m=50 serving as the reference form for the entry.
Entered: h=9 m=52
